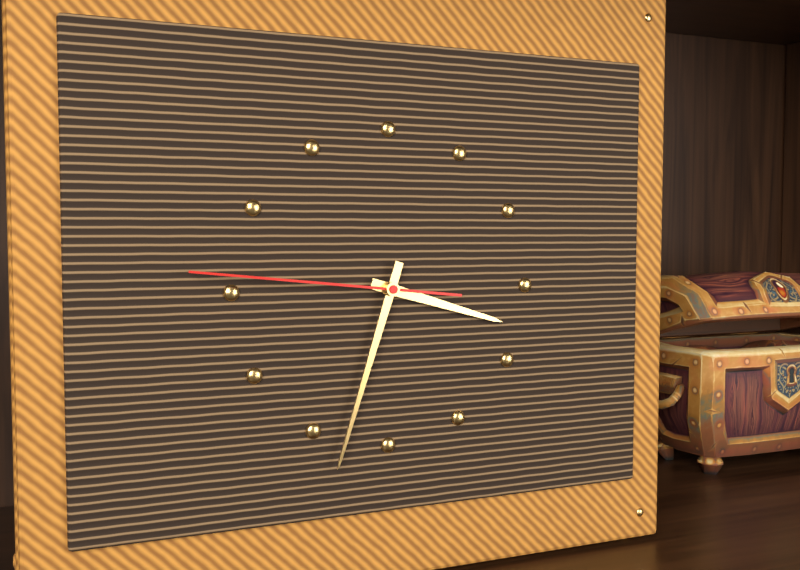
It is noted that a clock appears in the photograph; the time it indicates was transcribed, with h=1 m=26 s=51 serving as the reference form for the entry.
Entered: h=3 m=33 s=46
